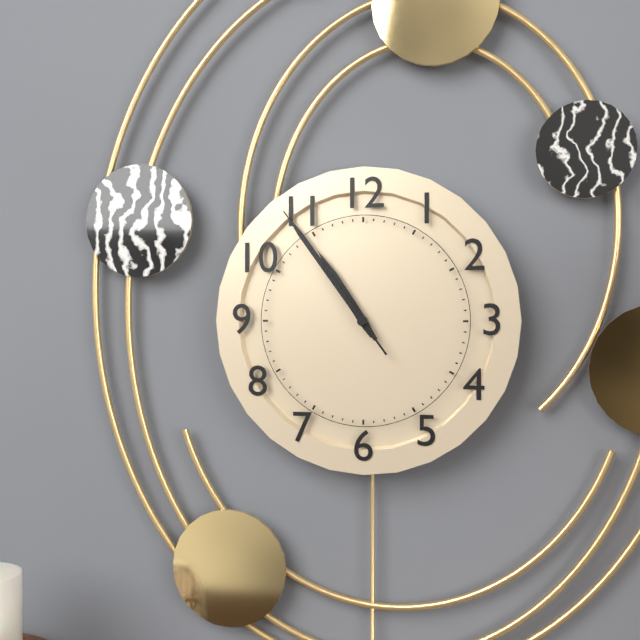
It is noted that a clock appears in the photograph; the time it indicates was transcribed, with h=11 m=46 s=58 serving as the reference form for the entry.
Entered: h=10 m=54 s=54
